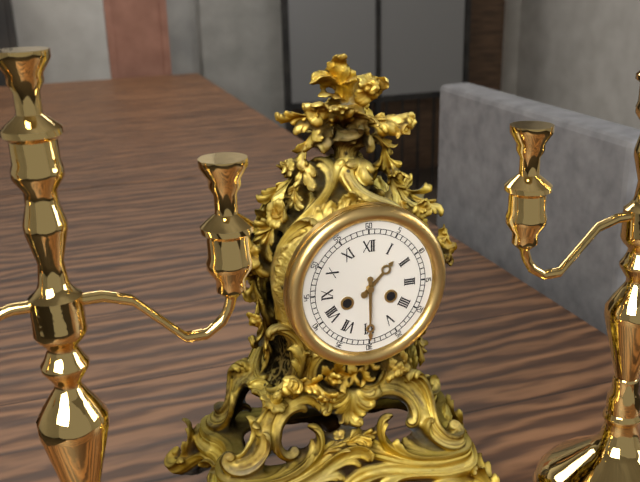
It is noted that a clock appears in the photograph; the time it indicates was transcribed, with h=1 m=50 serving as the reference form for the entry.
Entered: h=1 m=30
